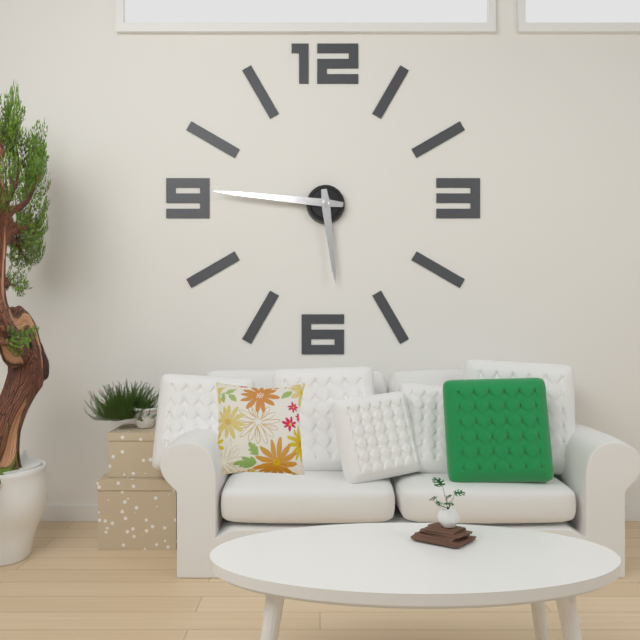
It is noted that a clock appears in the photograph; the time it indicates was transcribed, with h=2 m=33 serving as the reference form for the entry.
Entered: h=5 m=46
